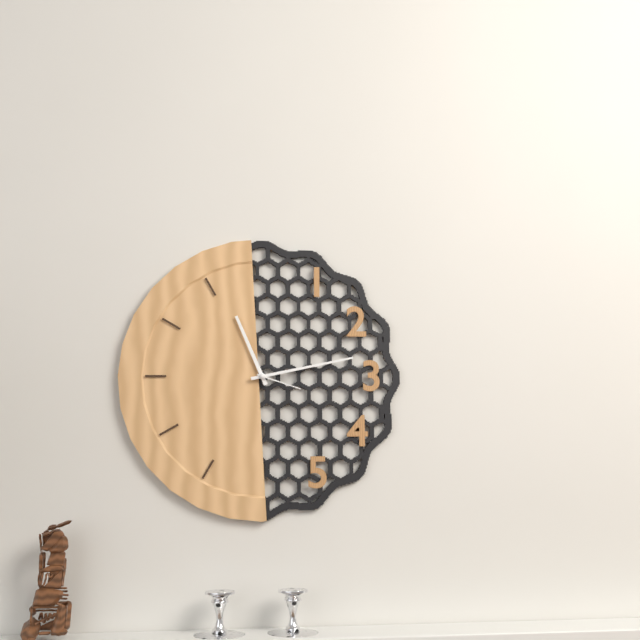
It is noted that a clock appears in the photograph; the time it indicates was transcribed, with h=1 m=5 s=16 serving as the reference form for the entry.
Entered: h=11 m=13 s=18
